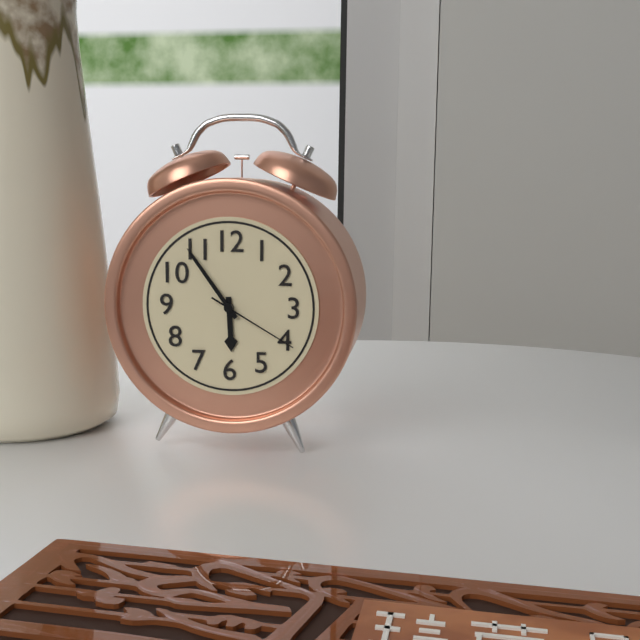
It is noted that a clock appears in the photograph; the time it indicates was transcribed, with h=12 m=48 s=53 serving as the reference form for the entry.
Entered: h=5 m=54 s=20
